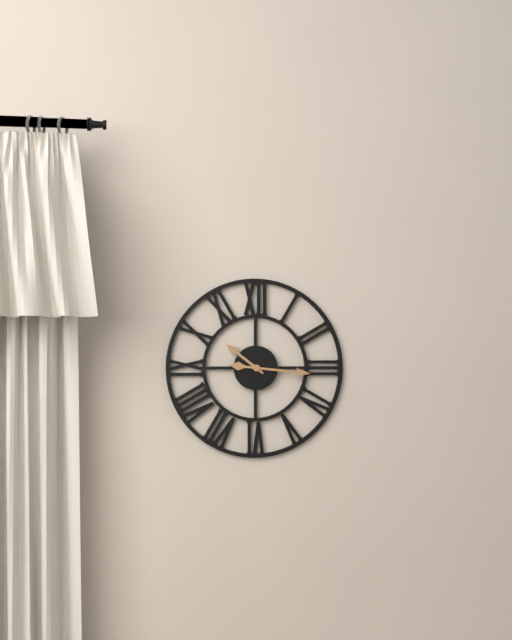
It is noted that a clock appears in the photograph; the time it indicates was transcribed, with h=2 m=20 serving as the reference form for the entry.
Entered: h=10 m=16
